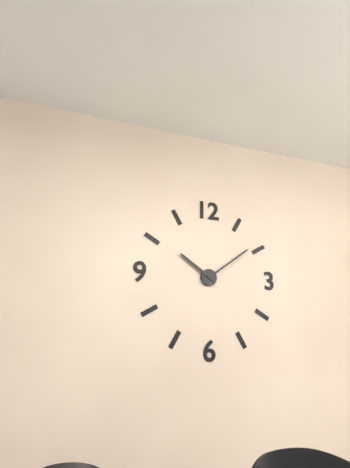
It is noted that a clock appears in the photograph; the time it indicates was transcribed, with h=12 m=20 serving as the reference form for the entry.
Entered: h=10 m=9
